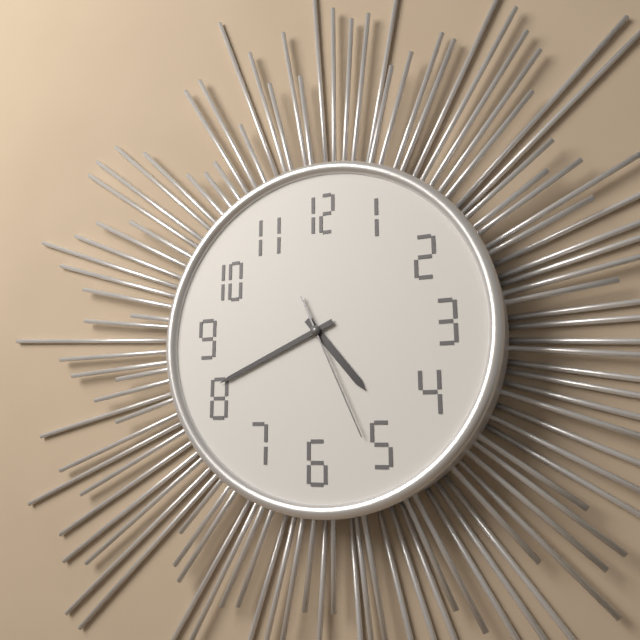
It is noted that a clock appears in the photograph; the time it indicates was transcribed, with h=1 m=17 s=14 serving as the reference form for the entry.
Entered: h=4 m=41 s=26
